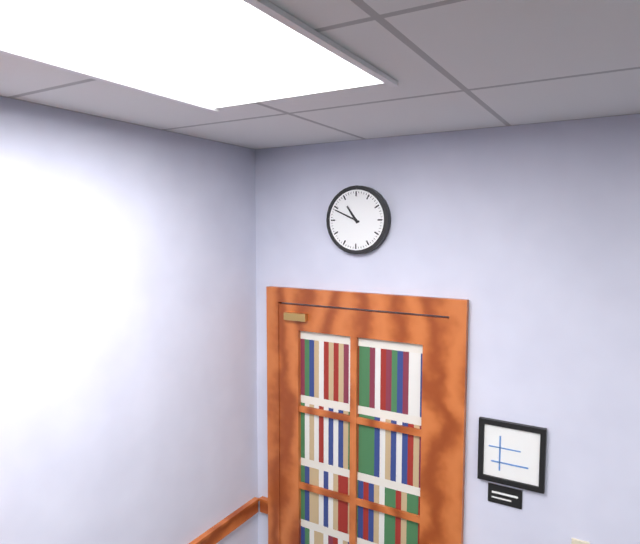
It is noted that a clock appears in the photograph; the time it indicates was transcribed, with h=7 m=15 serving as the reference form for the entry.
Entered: h=10 m=49
